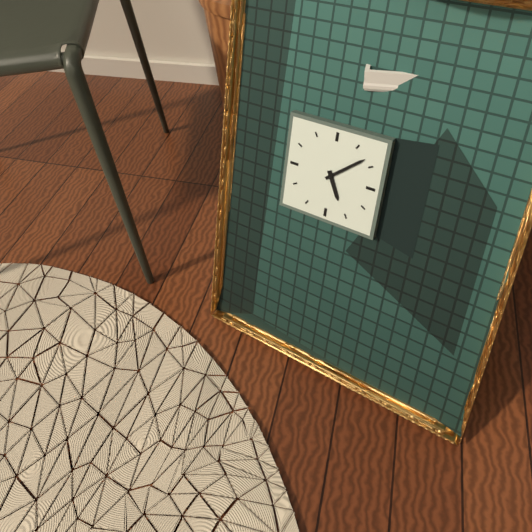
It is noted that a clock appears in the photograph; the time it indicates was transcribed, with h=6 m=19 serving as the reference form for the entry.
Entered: h=5 m=8
